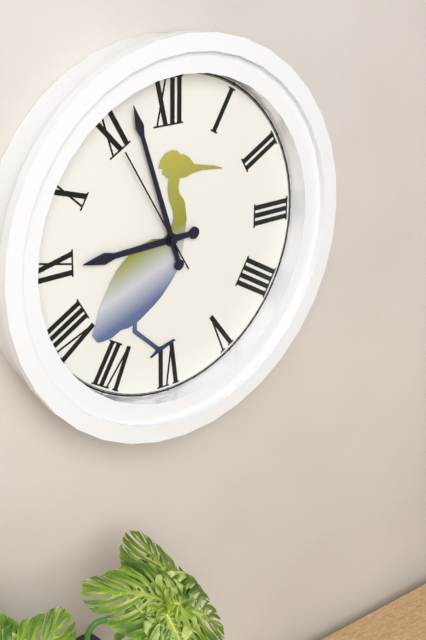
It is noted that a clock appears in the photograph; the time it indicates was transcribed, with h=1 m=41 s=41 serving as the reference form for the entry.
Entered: h=8 m=57 s=55
